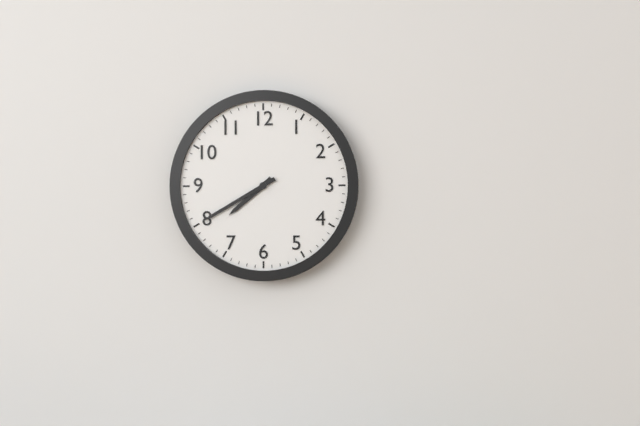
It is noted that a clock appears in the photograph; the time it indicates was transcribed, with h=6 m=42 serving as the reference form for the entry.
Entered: h=7 m=40
